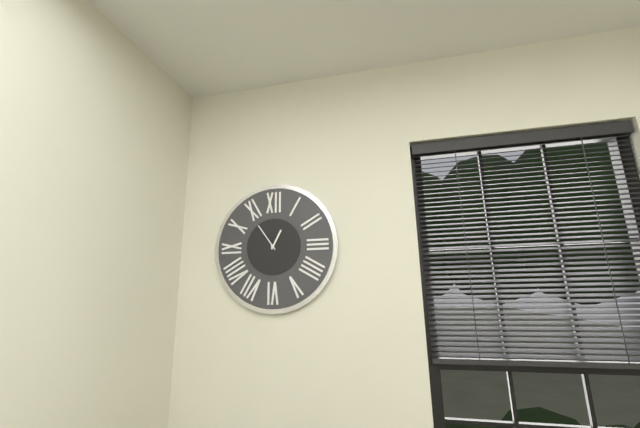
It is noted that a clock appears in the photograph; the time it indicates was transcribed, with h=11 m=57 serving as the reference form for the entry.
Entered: h=12 m=54
